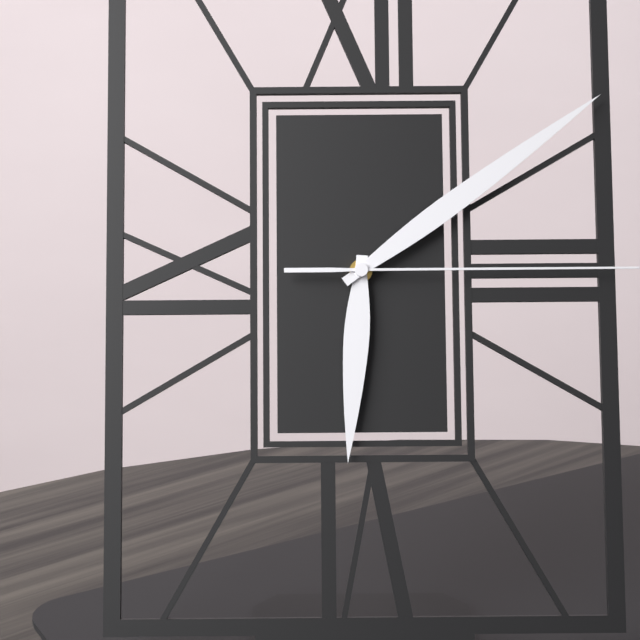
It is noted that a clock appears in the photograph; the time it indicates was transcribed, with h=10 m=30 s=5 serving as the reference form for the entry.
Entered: h=6 m=9 s=15
